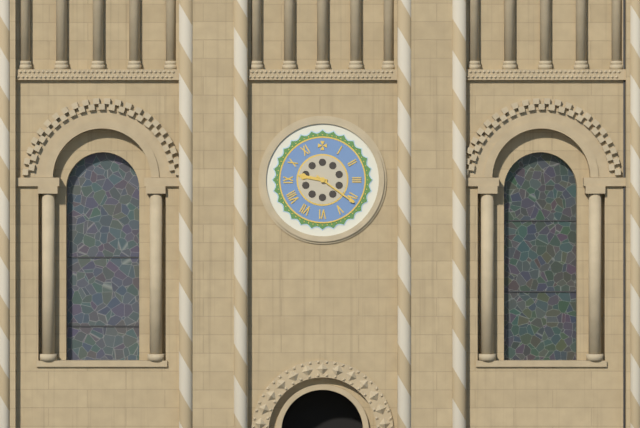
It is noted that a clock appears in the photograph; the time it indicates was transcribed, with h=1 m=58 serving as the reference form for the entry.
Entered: h=9 m=21
